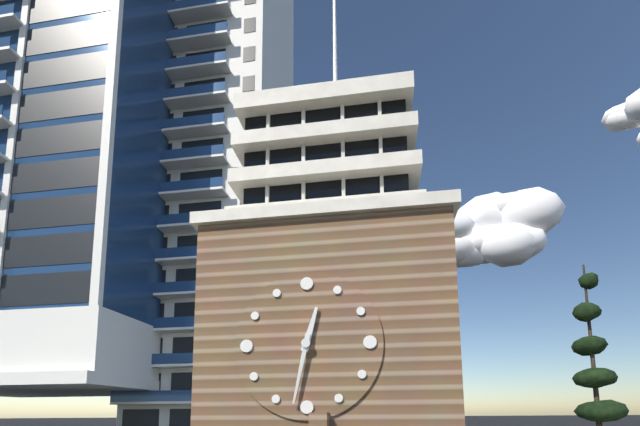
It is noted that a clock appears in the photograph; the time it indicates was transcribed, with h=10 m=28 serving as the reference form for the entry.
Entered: h=12 m=32
